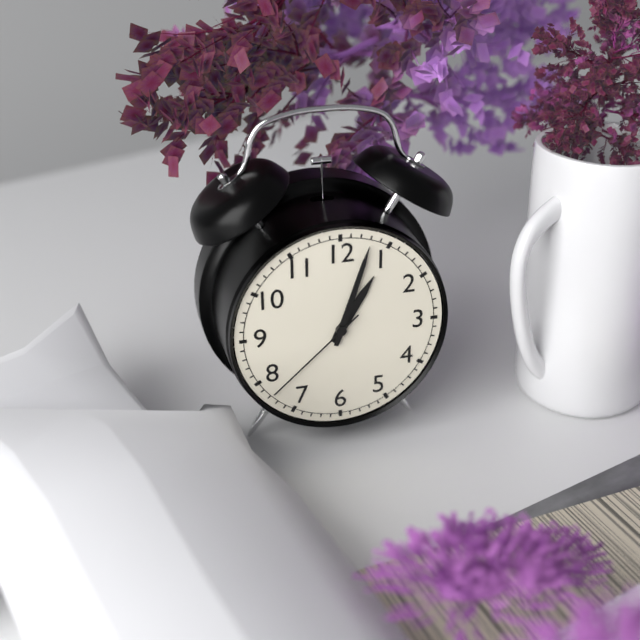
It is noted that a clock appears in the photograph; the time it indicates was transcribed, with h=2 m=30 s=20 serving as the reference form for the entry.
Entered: h=1 m=3 s=38
